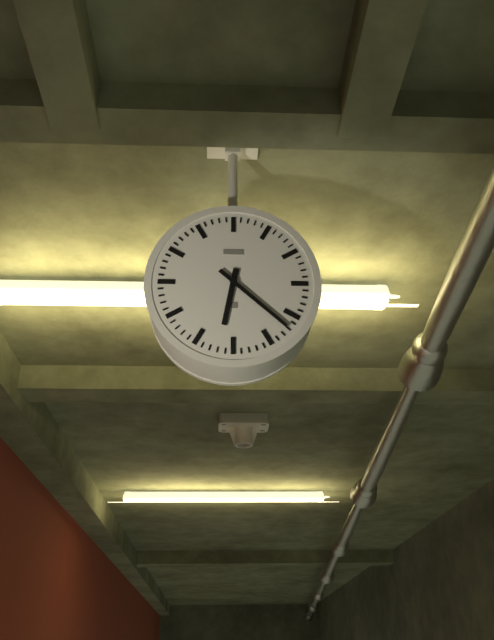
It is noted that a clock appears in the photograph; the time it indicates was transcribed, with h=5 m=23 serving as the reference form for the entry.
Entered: h=6 m=22
